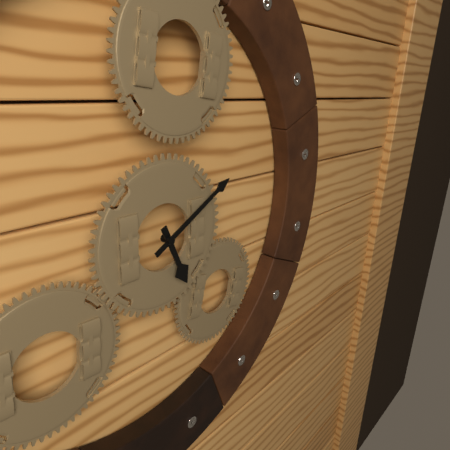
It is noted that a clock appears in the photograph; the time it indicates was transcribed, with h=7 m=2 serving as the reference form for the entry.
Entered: h=5 m=10
